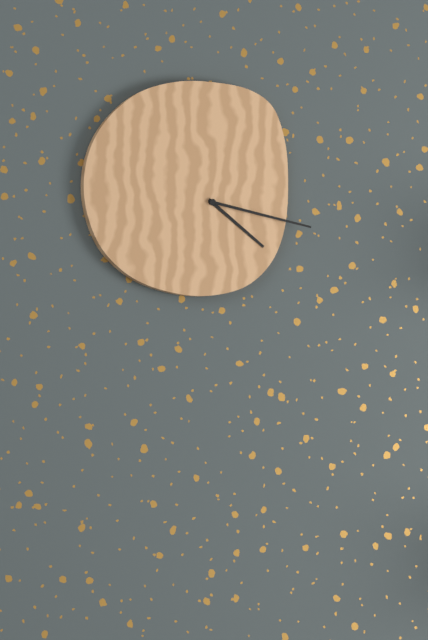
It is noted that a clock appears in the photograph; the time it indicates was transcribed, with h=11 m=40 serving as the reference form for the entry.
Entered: h=4 m=17
